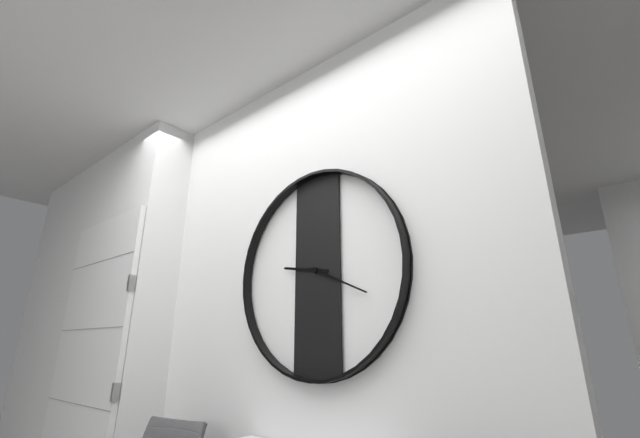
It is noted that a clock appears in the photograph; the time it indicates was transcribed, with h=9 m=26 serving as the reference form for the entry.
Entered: h=9 m=19
